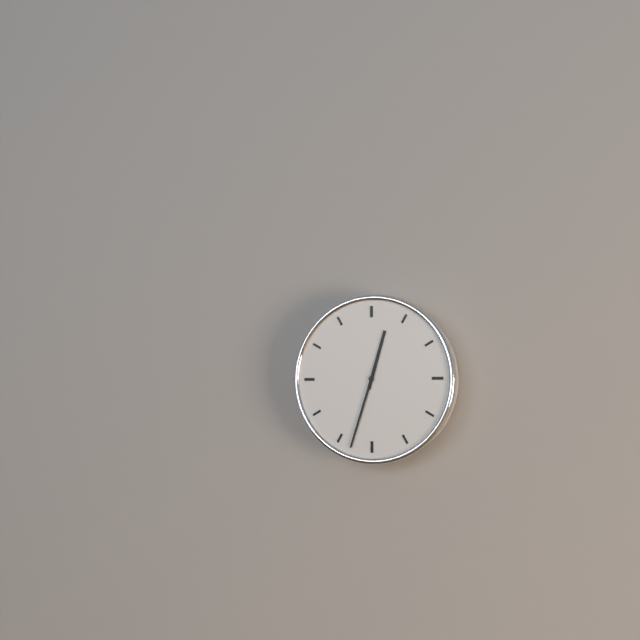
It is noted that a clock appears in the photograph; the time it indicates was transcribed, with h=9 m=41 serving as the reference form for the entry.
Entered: h=12 m=33
